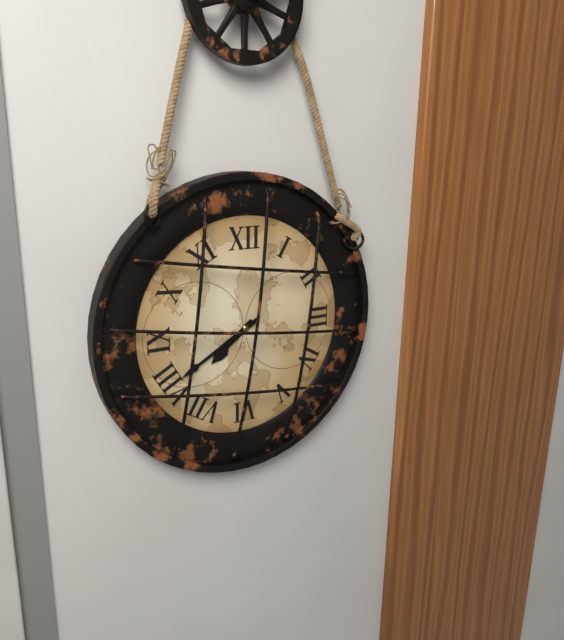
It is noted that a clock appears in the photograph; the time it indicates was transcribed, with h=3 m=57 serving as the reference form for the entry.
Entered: h=7 m=40
